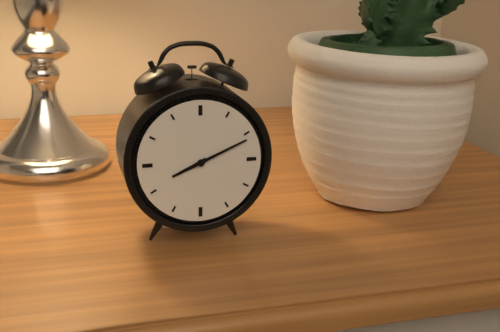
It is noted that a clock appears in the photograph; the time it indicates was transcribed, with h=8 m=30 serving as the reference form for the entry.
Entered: h=8 m=11
